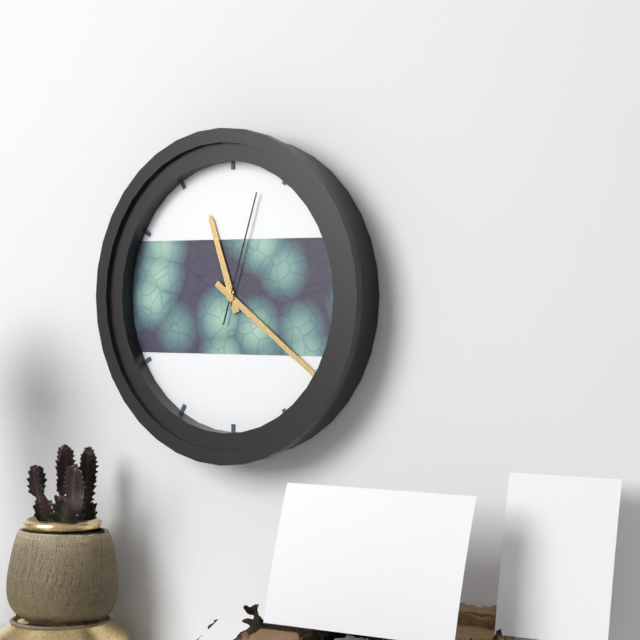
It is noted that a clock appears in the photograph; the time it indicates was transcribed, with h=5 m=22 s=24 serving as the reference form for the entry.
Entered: h=11 m=21 s=3
